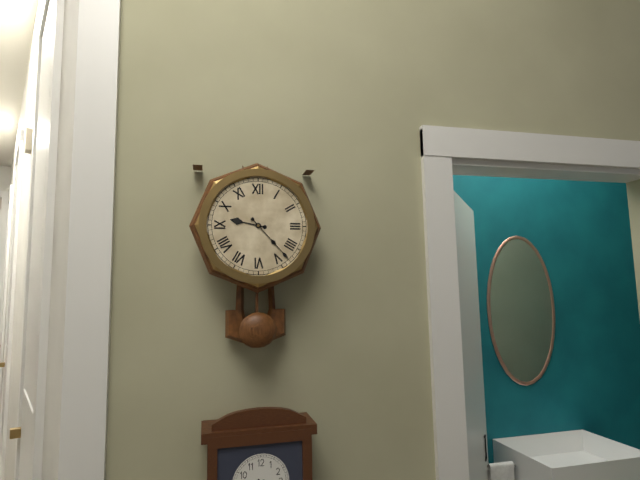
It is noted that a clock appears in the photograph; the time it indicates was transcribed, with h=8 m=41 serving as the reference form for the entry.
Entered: h=9 m=23
